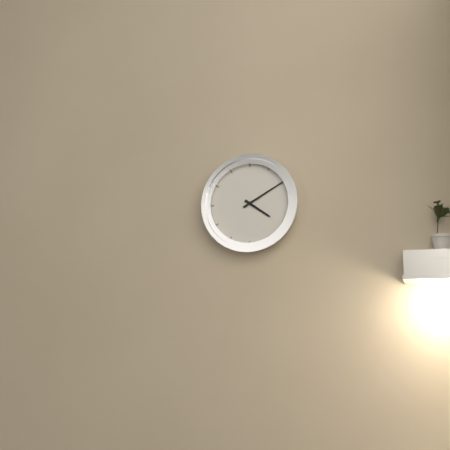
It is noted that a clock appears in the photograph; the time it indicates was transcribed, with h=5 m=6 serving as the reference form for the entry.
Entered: h=4 m=10
